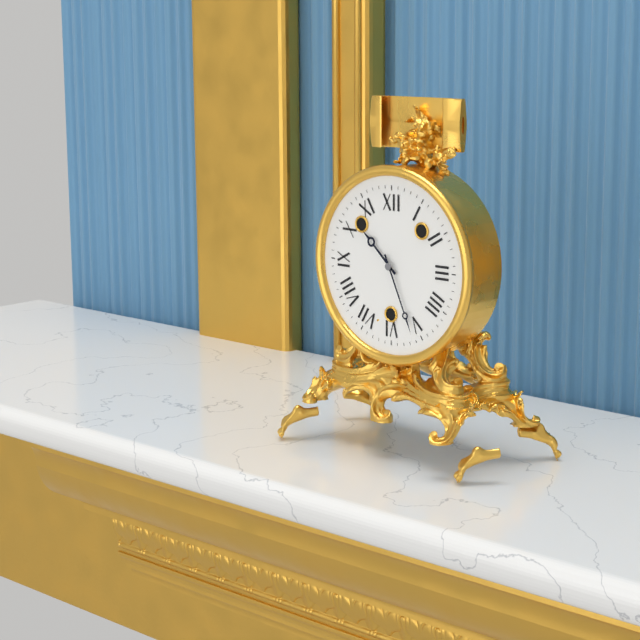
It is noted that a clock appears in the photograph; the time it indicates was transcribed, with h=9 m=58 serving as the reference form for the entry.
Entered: h=10 m=26
